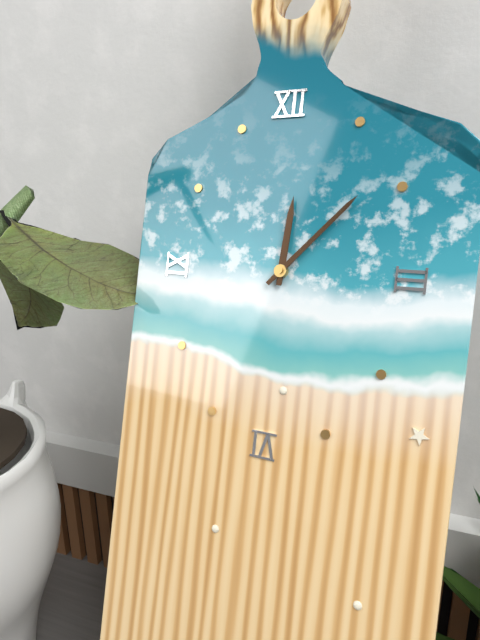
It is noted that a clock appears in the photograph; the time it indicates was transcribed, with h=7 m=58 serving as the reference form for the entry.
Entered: h=12 m=7
